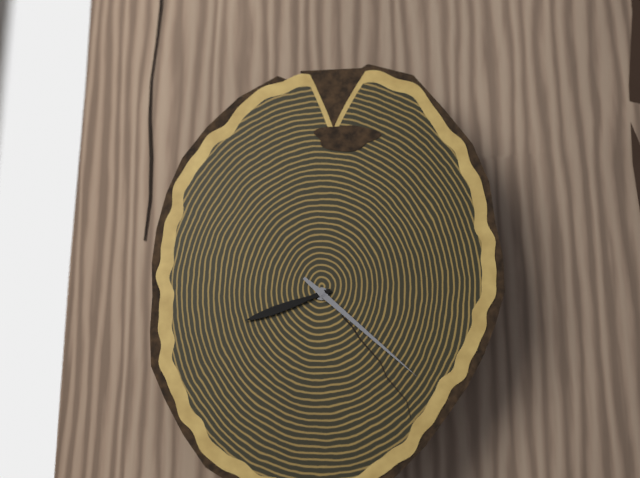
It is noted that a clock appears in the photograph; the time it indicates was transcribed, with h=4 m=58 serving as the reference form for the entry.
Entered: h=8 m=22
